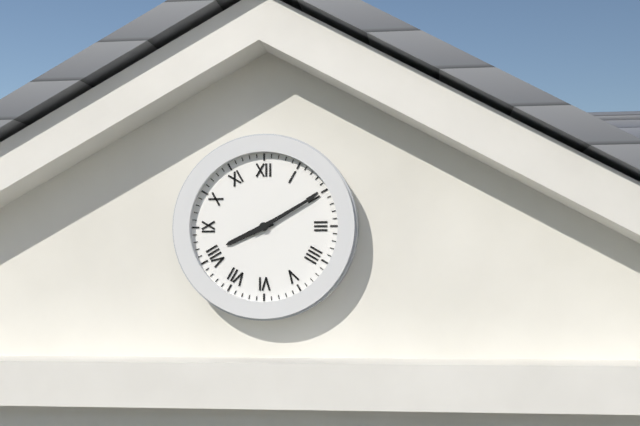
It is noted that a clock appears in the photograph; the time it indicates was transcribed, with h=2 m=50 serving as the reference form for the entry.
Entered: h=8 m=10
